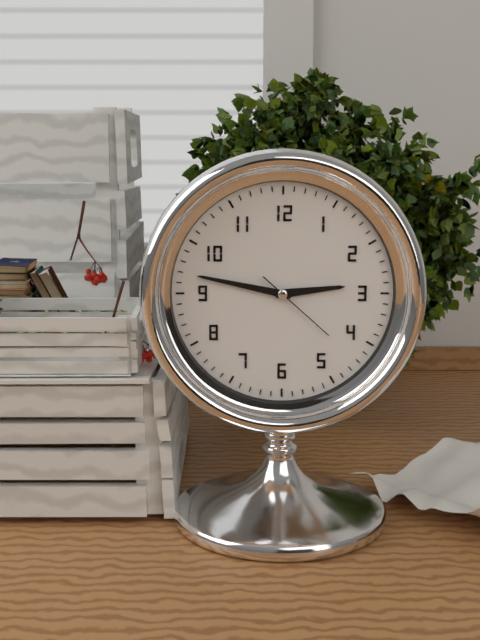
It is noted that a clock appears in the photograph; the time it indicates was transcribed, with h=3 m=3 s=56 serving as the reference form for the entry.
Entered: h=2 m=47 s=22
